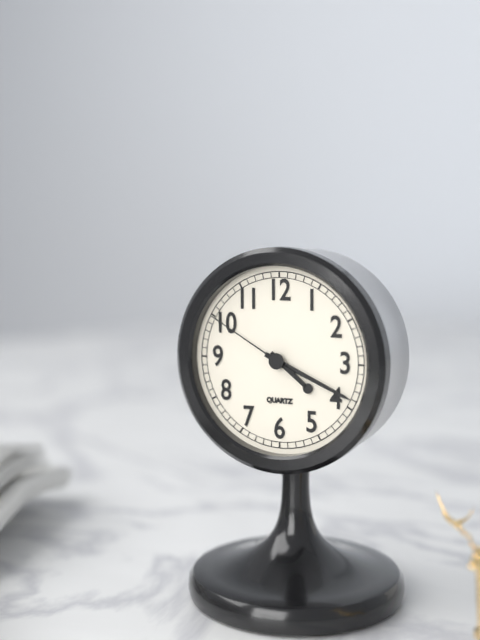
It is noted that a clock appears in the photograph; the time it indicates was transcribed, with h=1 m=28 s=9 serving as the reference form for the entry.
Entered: h=4 m=19 s=50
